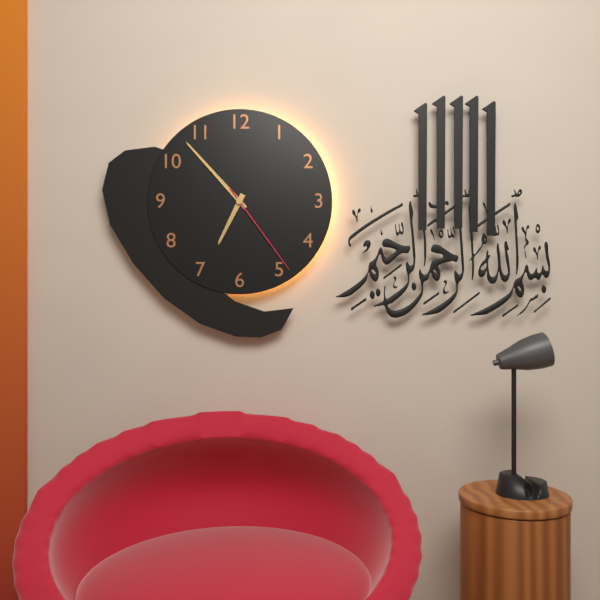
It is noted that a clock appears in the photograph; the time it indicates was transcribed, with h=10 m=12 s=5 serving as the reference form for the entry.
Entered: h=6 m=53 s=24
